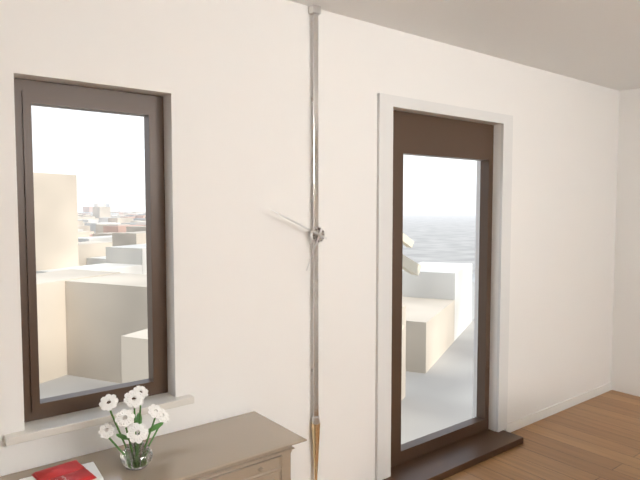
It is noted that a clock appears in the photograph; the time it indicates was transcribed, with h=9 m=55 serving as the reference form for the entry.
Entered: h=6 m=49
